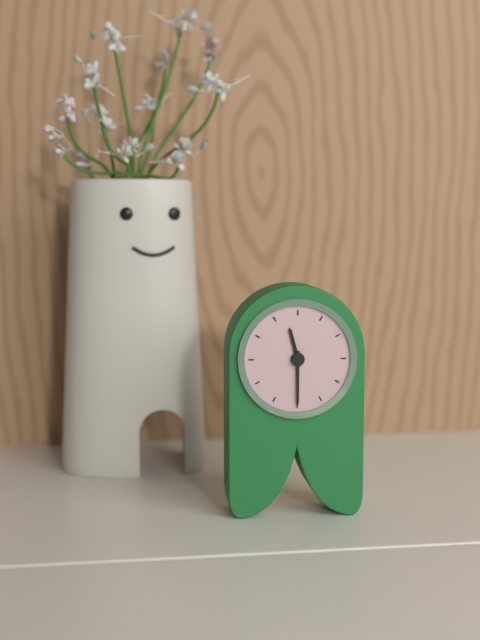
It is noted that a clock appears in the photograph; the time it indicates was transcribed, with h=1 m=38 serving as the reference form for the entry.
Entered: h=11 m=30
